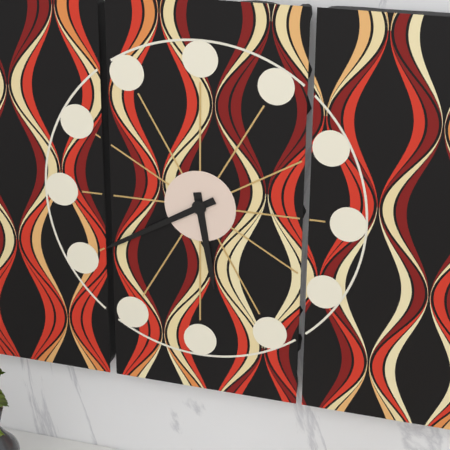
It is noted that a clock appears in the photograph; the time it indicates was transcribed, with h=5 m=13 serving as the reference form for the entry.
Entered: h=5 m=40
